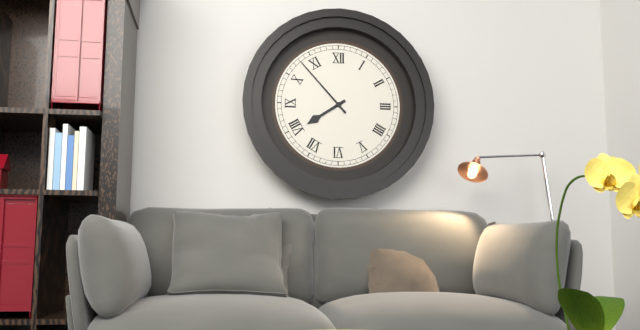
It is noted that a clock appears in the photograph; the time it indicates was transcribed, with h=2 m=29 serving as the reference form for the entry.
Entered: h=7 m=53
